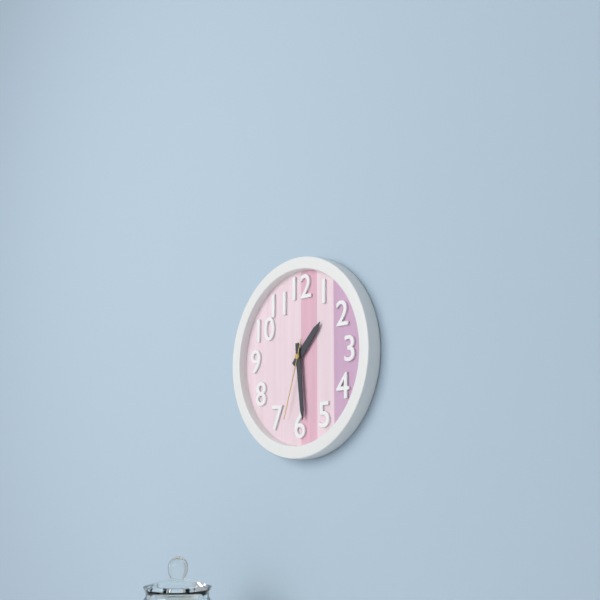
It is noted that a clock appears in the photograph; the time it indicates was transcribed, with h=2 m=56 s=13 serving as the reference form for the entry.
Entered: h=1 m=29 s=33
